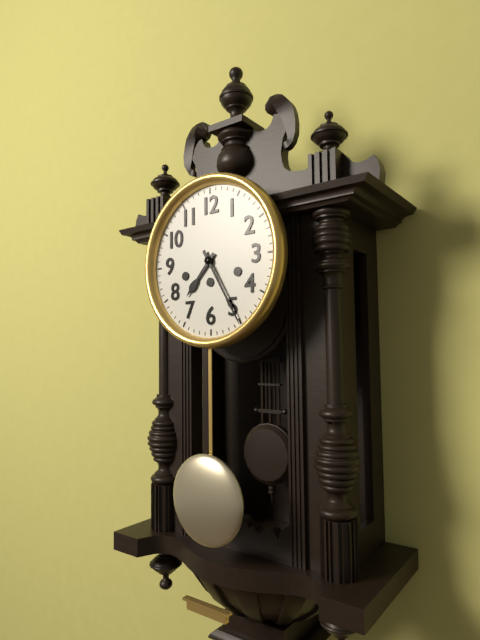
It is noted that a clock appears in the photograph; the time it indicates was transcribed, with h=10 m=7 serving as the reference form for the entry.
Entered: h=7 m=25
